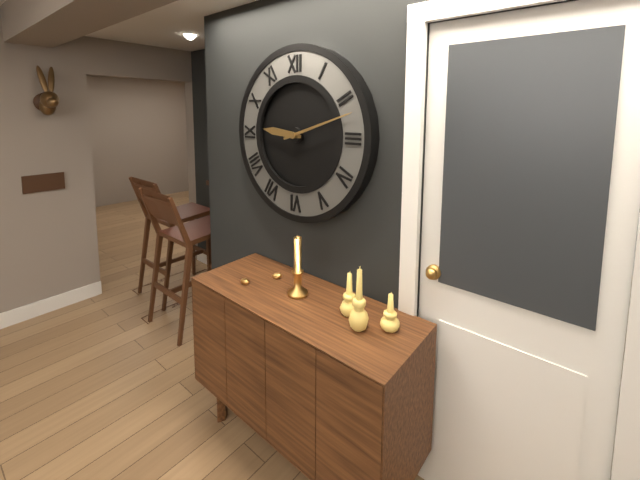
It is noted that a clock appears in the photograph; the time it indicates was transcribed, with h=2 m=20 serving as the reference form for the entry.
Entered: h=9 m=12
